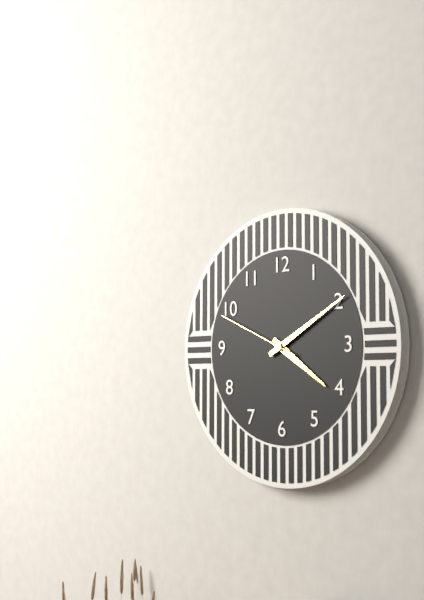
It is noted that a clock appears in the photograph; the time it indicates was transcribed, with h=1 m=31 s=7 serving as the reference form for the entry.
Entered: h=4 m=10 s=49
